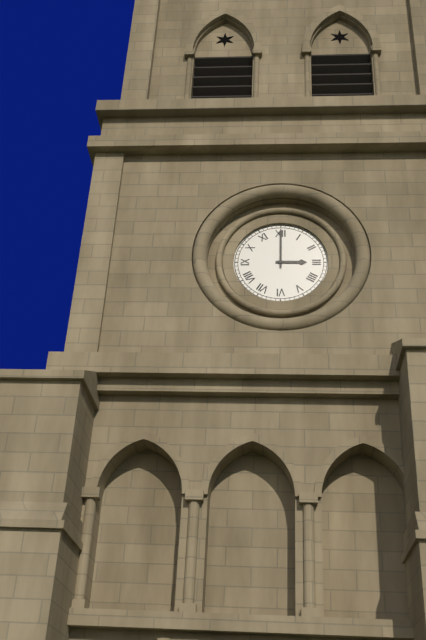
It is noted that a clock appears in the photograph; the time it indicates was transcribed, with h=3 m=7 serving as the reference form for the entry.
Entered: h=3 m=0
